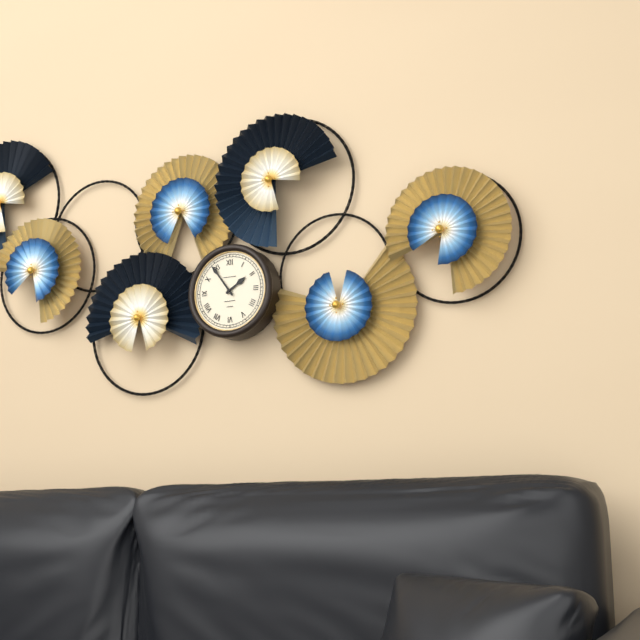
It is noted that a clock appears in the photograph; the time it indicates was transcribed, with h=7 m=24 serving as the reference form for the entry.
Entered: h=1 m=54
